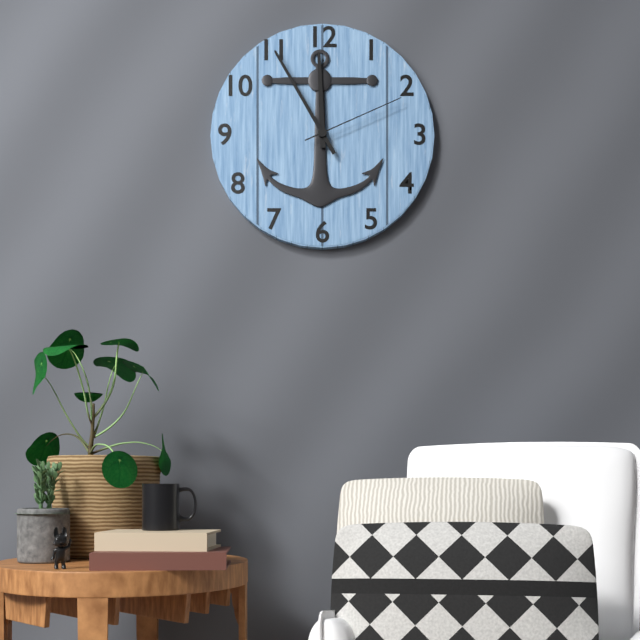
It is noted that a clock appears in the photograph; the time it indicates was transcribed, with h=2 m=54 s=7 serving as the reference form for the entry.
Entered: h=11 m=55 s=11
